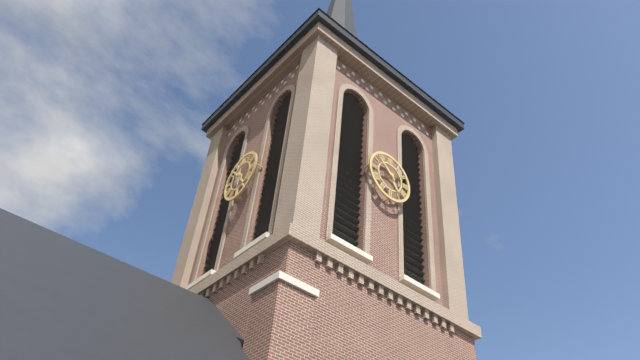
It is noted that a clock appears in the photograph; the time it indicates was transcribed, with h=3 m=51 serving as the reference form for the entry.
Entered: h=4 m=52
